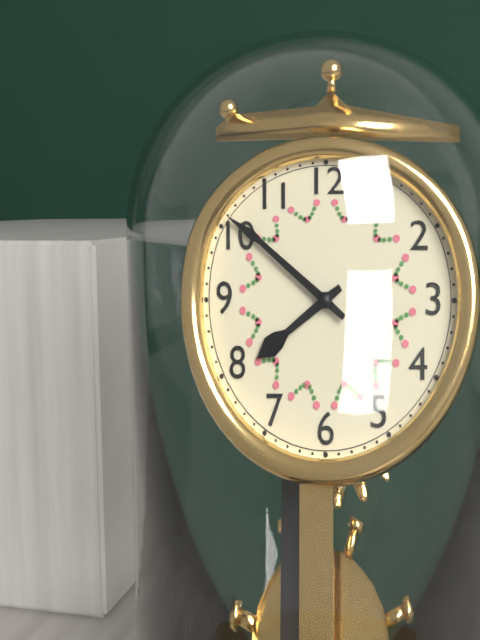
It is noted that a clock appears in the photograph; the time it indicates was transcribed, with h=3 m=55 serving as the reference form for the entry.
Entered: h=7 m=51
